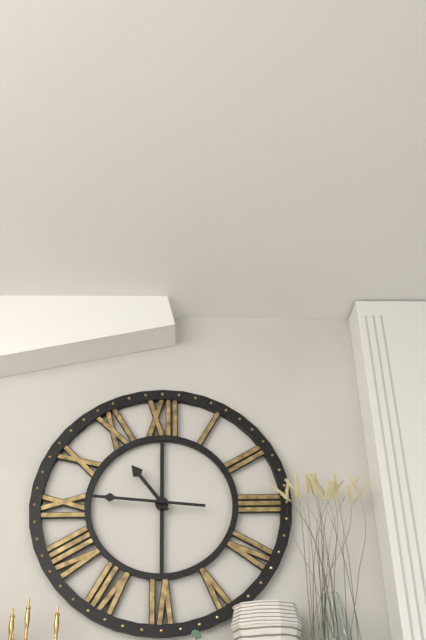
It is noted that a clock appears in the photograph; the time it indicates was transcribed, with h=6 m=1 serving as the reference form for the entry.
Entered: h=10 m=46
